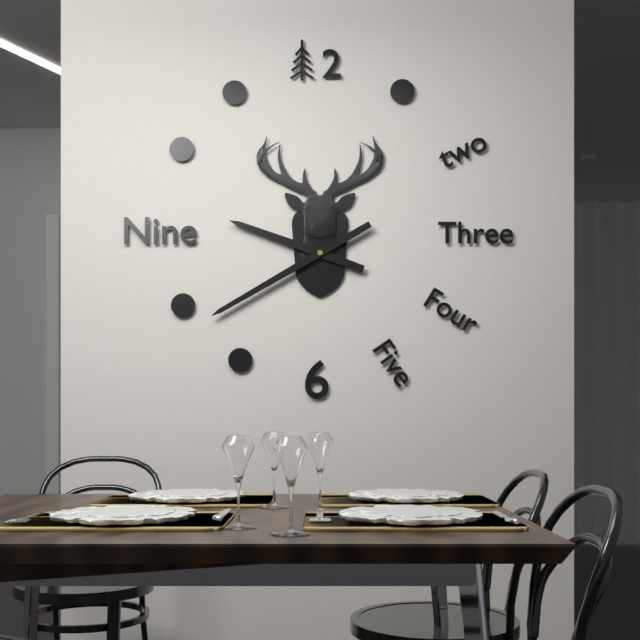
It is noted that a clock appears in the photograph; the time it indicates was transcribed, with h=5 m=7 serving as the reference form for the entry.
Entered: h=9 m=40
